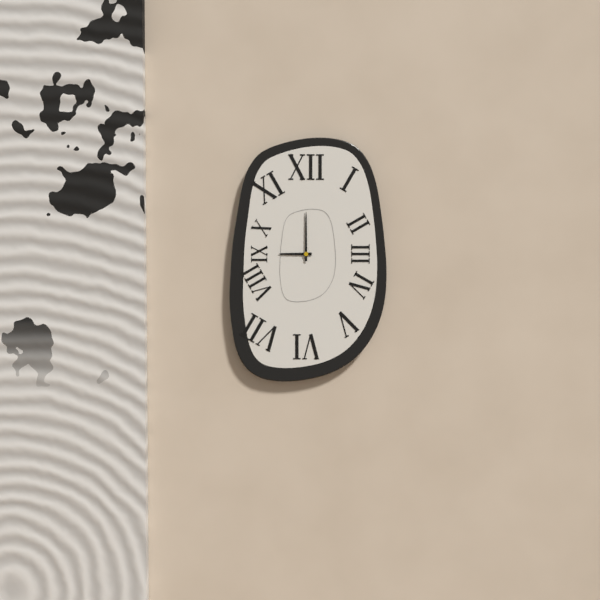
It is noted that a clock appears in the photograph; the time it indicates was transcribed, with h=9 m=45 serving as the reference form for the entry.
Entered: h=9 m=0
